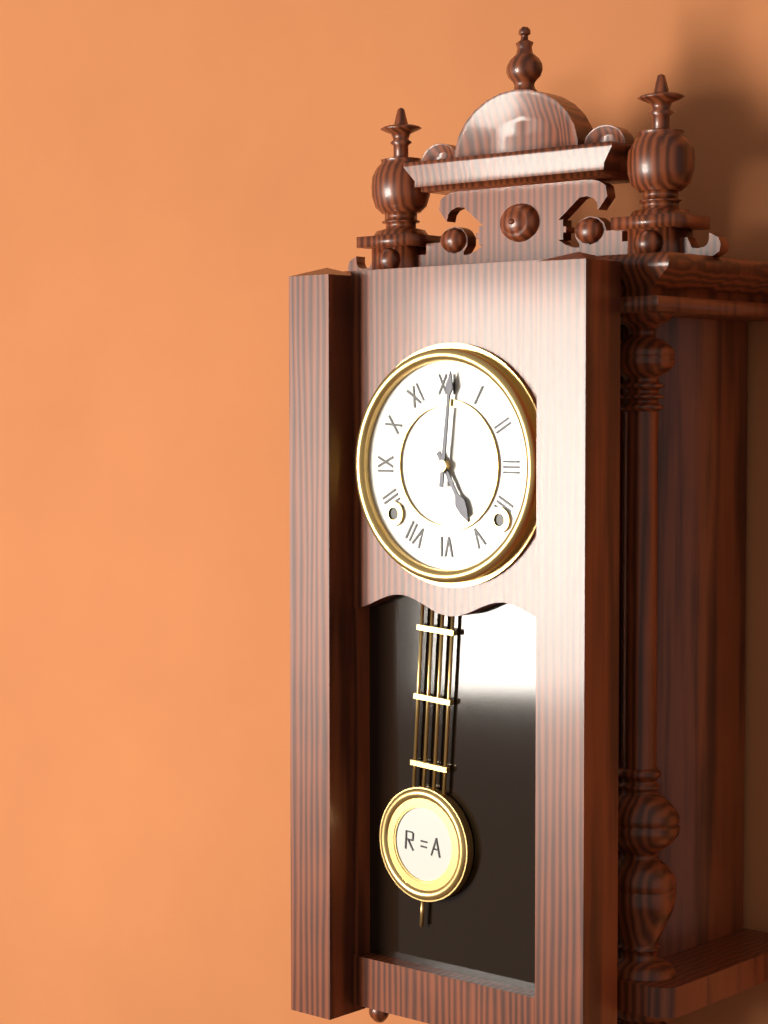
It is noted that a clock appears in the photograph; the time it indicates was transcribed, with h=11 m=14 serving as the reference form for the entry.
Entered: h=5 m=1
